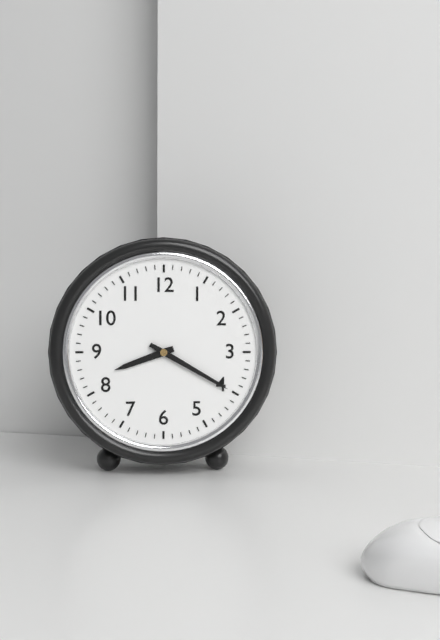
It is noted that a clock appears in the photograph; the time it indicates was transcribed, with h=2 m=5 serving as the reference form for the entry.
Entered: h=8 m=20
